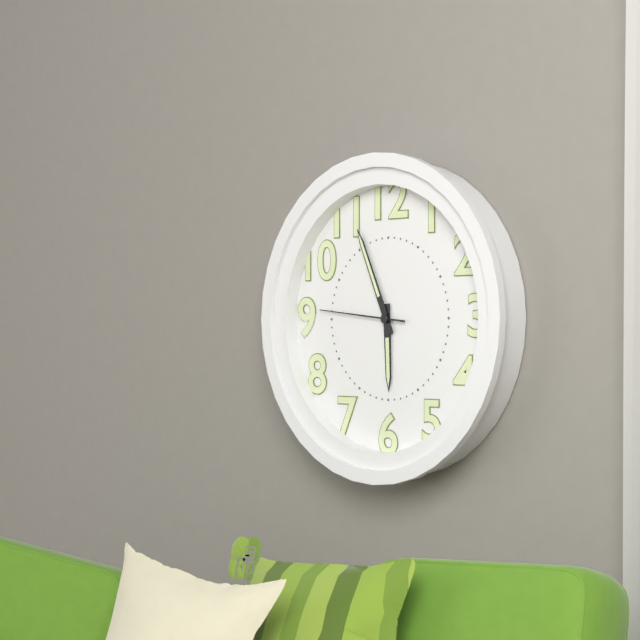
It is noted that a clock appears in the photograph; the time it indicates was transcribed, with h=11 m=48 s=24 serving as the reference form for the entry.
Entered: h=5 m=56 s=46
